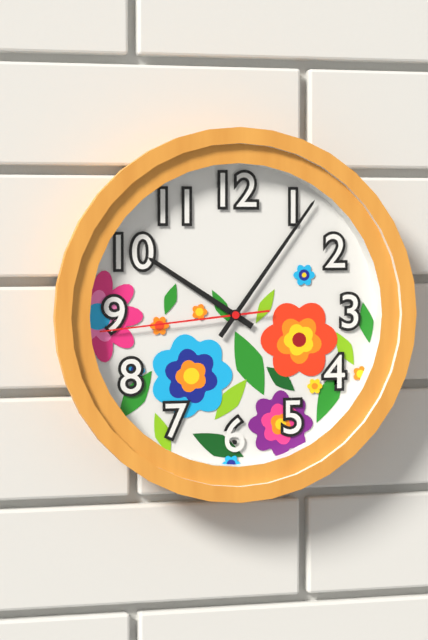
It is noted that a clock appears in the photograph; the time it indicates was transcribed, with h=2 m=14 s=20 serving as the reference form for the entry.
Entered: h=10 m=6 s=44
